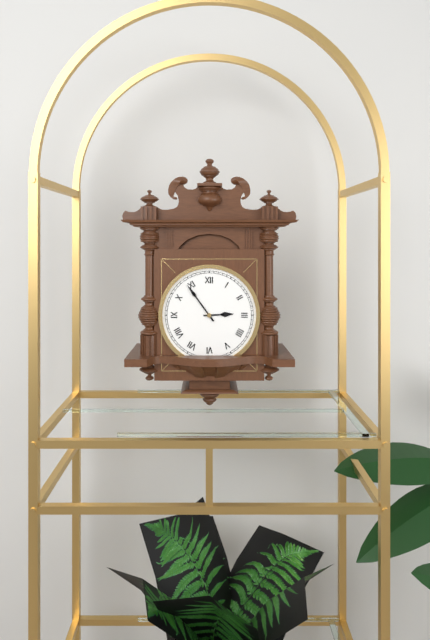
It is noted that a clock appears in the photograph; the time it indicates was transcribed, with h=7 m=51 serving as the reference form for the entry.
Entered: h=2 m=54
